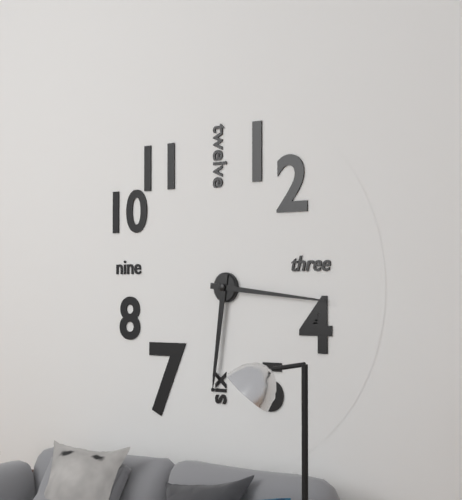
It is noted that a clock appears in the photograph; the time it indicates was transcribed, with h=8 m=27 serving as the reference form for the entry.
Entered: h=6 m=16
